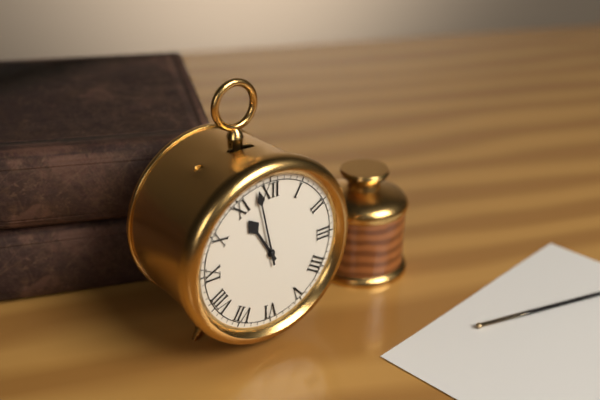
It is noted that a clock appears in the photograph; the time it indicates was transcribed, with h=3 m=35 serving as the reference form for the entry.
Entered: h=10 m=58
